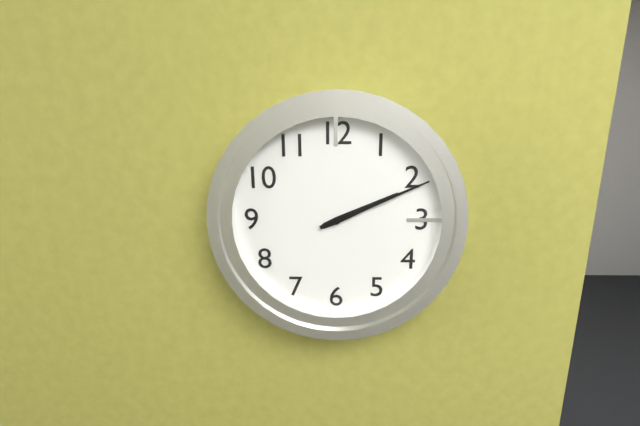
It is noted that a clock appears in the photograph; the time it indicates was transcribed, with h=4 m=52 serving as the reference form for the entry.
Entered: h=2 m=11
